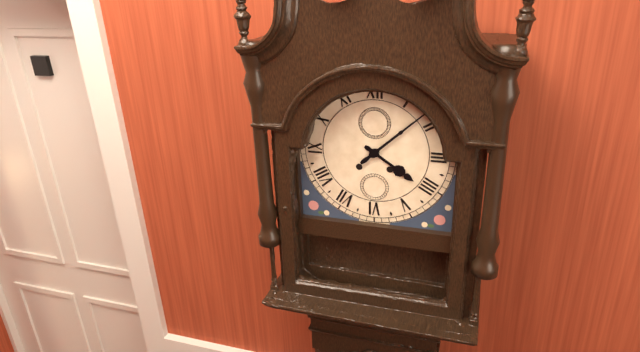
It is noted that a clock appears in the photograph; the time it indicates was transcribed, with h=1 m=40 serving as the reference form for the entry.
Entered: h=4 m=8
